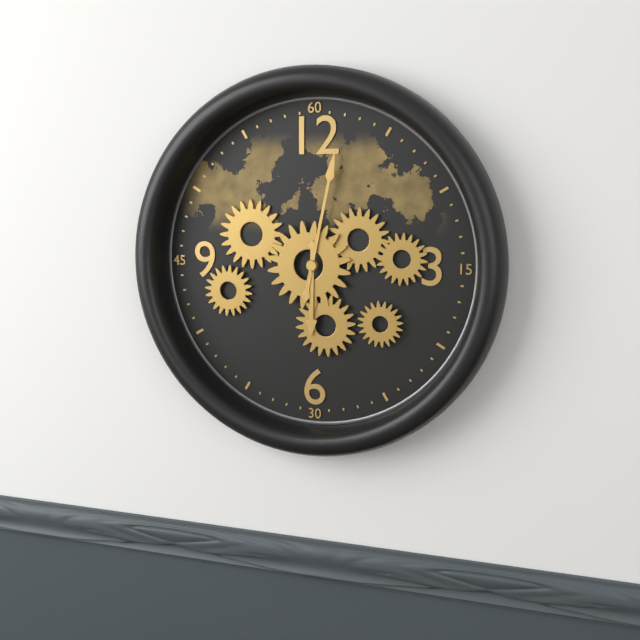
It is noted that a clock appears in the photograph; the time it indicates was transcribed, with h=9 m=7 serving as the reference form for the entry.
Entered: h=6 m=2
